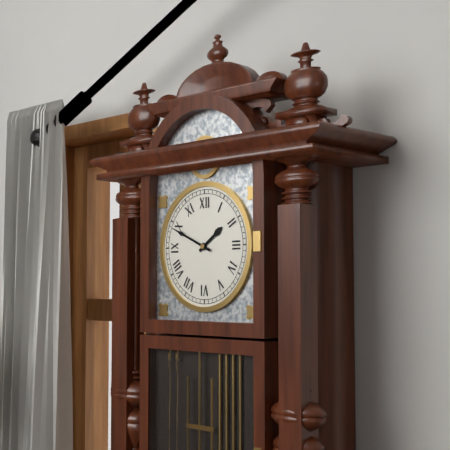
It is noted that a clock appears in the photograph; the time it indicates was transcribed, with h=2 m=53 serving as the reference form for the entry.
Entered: h=1 m=49
